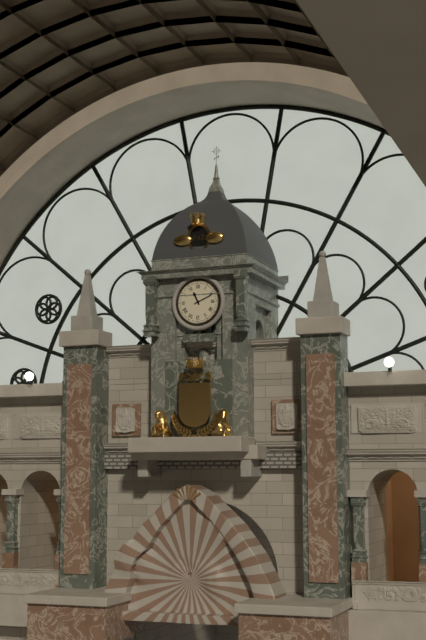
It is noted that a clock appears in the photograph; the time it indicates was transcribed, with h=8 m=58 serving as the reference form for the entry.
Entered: h=11 m=11
